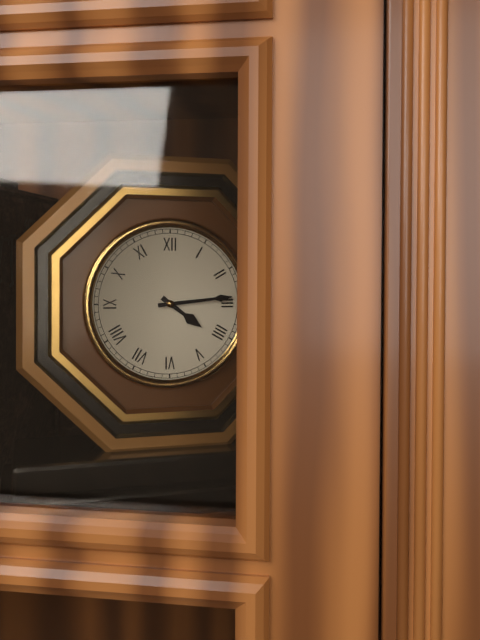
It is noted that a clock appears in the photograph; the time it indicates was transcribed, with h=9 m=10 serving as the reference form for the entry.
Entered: h=4 m=14
